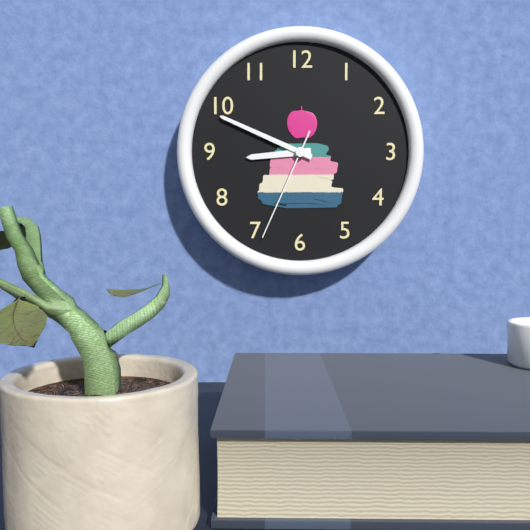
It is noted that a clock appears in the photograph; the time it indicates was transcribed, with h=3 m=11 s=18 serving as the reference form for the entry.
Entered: h=8 m=49 s=34
